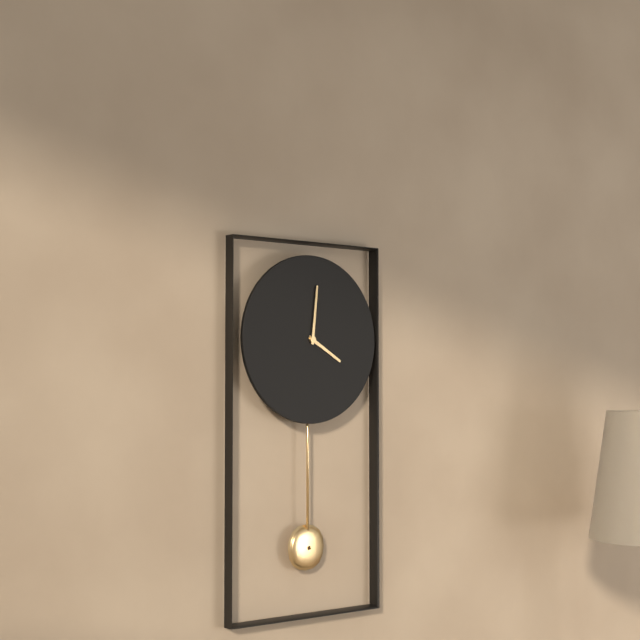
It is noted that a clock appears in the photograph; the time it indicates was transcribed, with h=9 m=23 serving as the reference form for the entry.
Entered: h=4 m=1
